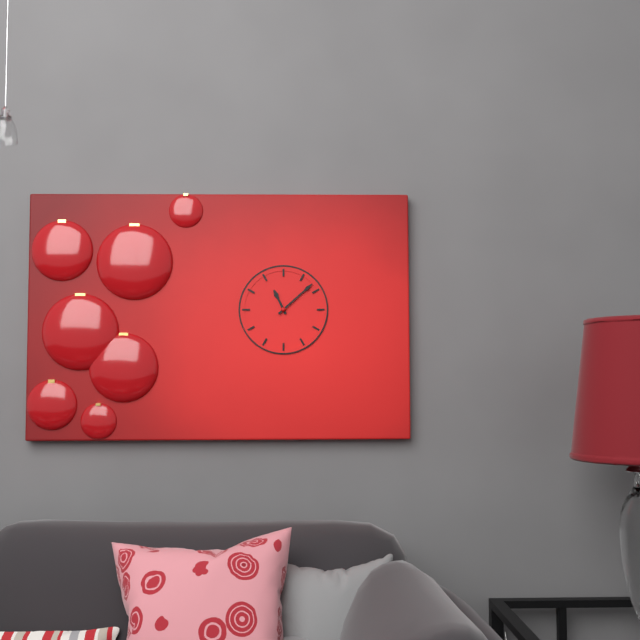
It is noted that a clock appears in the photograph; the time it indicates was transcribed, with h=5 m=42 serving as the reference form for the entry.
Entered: h=11 m=8
